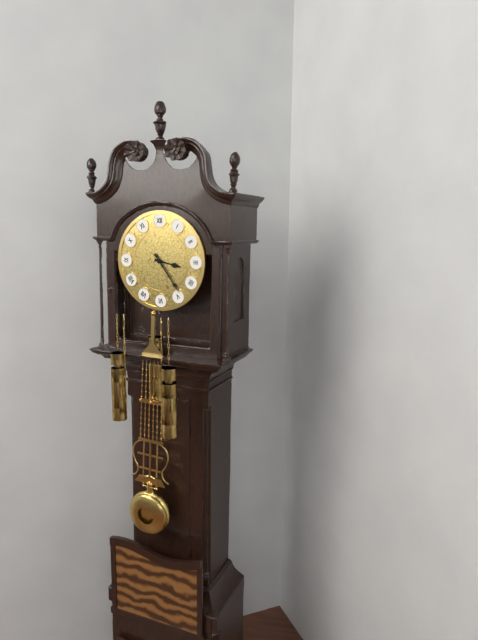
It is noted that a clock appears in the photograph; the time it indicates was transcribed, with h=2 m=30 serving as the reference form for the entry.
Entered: h=3 m=24
